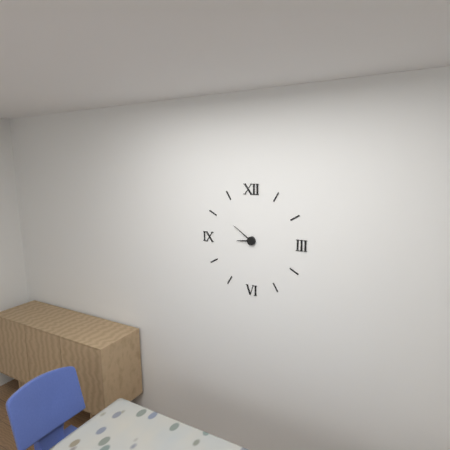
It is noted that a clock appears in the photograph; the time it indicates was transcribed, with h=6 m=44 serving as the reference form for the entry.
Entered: h=8 m=51
